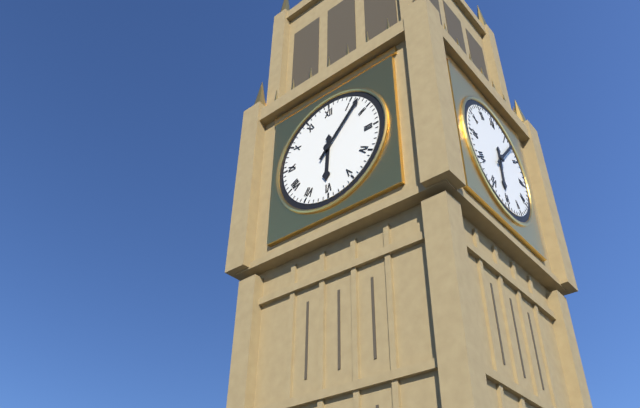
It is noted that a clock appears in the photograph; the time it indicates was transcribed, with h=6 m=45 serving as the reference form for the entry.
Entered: h=6 m=7
